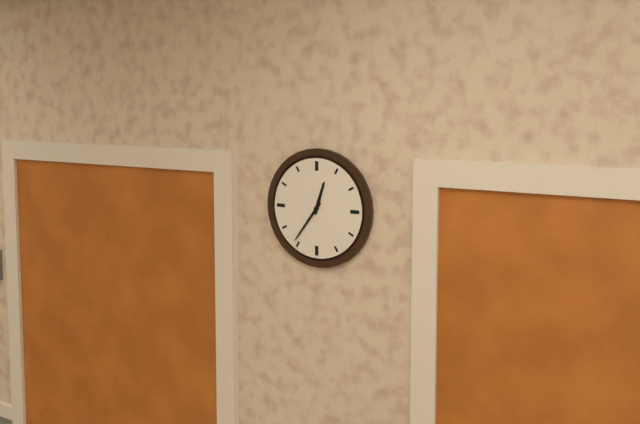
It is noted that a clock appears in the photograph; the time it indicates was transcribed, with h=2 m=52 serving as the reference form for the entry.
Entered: h=12 m=36
